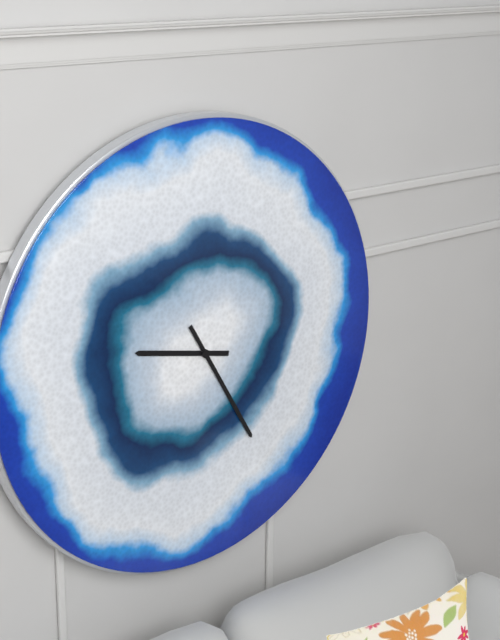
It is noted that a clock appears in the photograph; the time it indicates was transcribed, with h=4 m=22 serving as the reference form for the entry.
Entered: h=9 m=25
